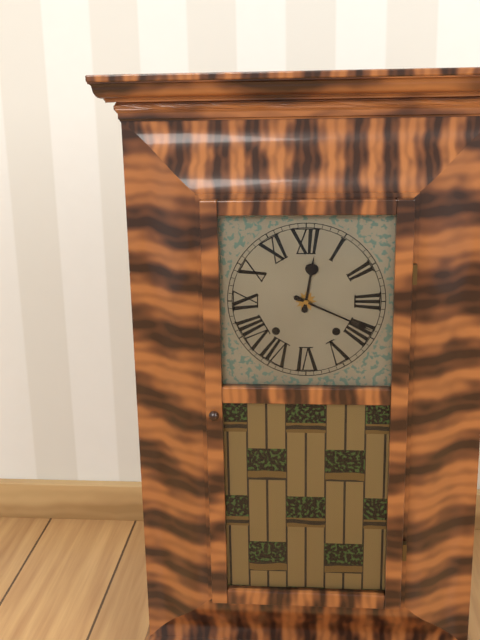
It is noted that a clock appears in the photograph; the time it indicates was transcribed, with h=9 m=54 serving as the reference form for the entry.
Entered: h=12 m=19
